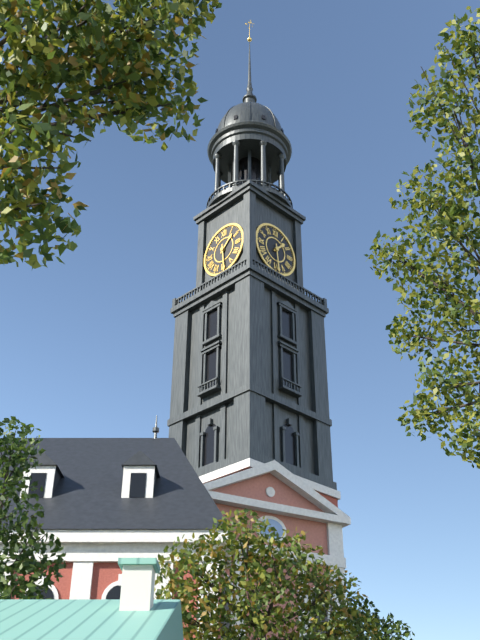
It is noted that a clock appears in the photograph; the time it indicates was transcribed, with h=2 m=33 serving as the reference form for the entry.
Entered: h=1 m=29
